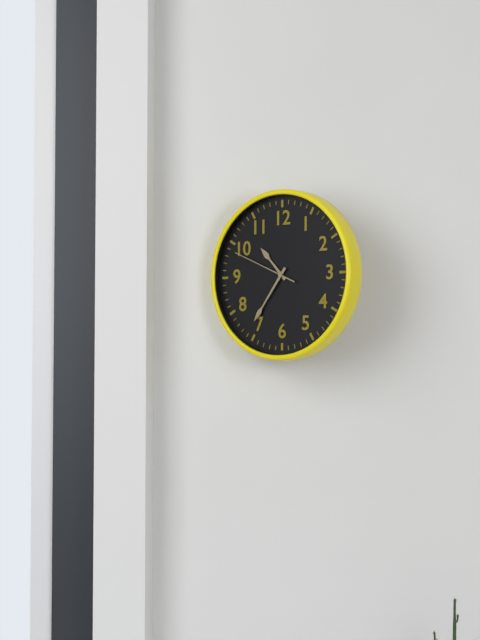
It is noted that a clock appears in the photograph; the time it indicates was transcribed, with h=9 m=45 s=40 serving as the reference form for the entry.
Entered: h=10 m=36 s=49
